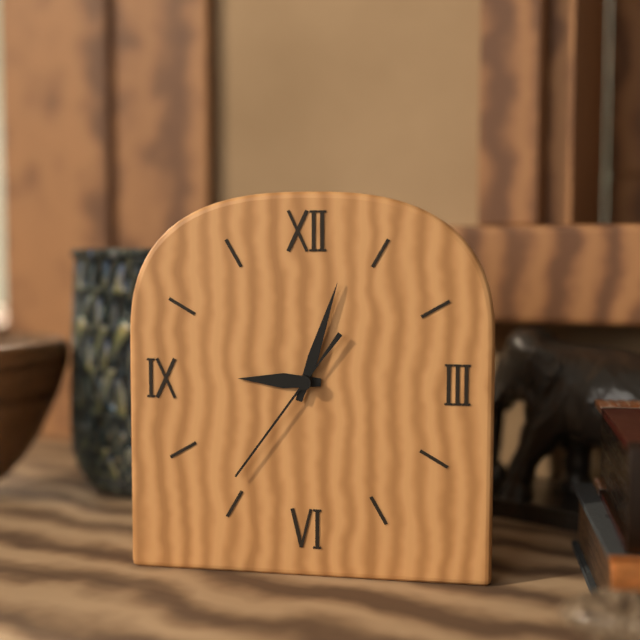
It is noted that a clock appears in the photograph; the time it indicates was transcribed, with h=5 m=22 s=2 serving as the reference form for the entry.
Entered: h=9 m=3 s=36
